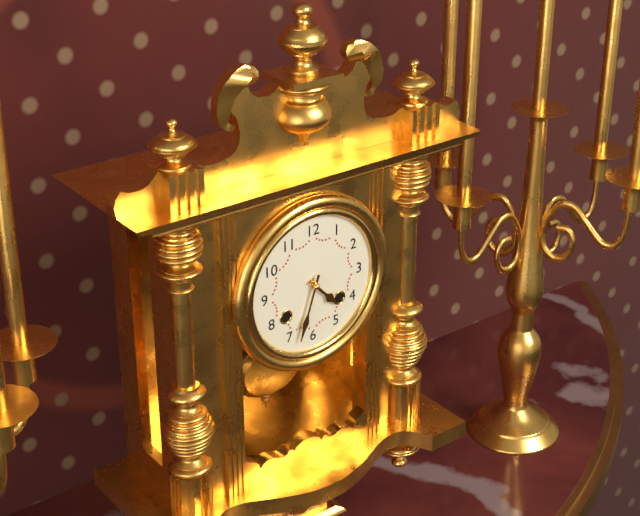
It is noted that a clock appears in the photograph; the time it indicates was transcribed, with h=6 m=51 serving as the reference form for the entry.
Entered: h=4 m=33
